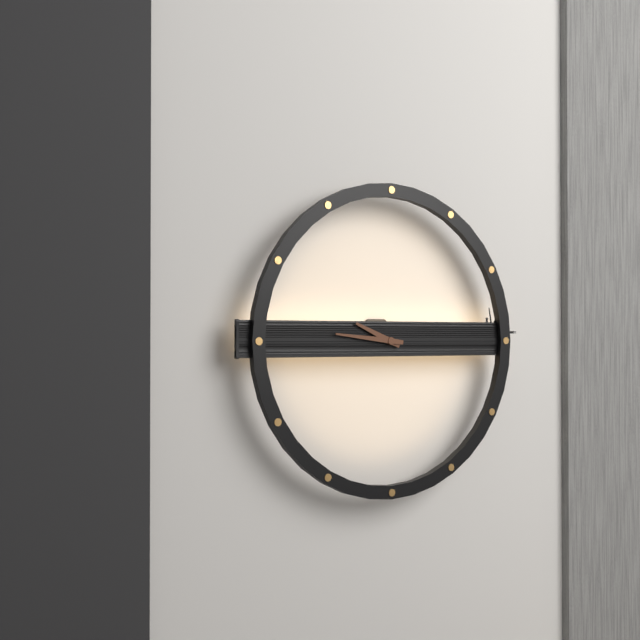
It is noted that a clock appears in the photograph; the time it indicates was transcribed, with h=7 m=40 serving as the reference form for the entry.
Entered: h=9 m=46
